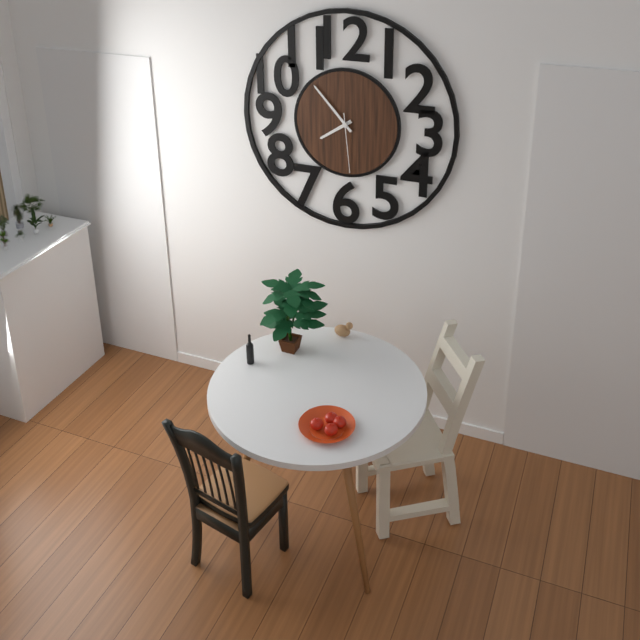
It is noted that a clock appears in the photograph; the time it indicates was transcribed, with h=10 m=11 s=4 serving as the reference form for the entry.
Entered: h=7 m=53 s=29
